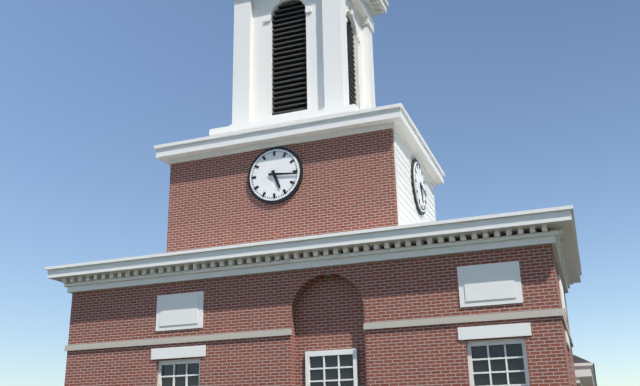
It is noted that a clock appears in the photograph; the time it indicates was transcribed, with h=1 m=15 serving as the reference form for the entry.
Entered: h=5 m=16
